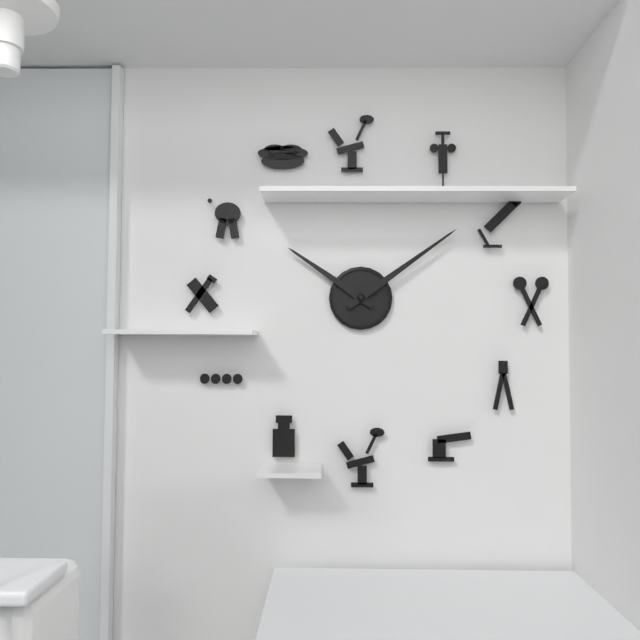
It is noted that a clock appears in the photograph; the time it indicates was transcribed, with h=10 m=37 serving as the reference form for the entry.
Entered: h=10 m=9
